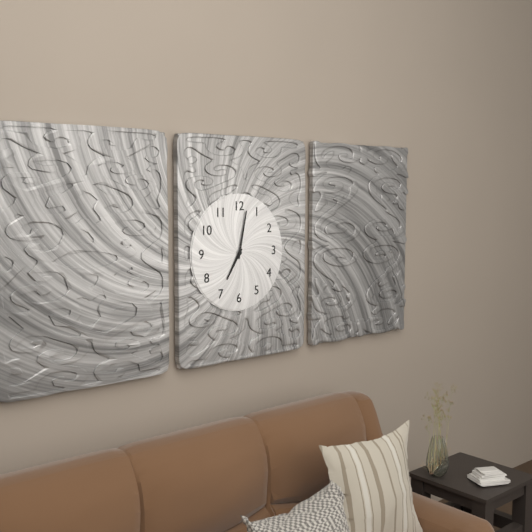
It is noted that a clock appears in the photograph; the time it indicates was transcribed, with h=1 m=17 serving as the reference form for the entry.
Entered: h=7 m=2
